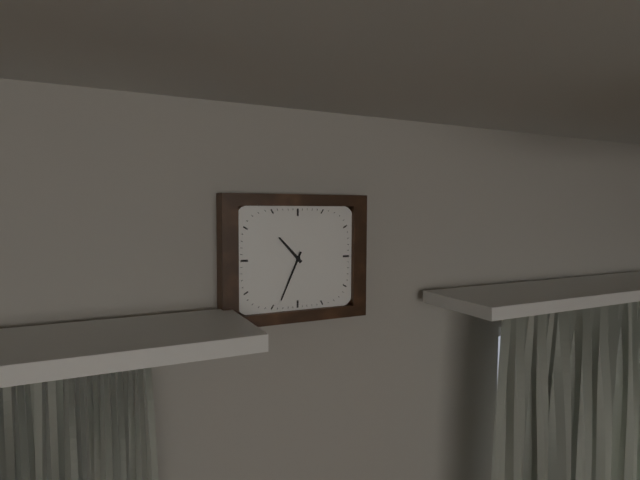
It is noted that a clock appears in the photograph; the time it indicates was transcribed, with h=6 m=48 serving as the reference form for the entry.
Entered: h=10 m=34
